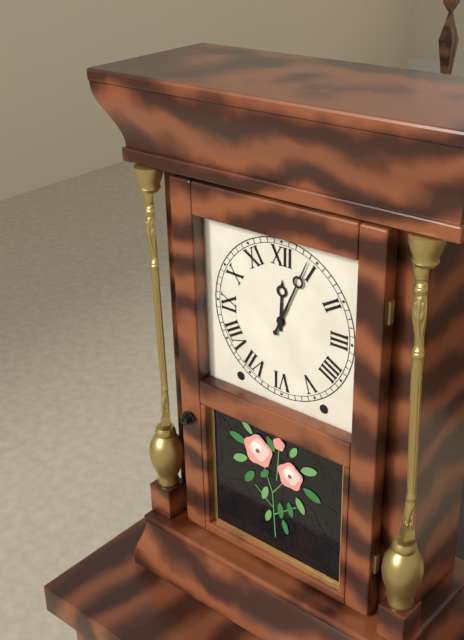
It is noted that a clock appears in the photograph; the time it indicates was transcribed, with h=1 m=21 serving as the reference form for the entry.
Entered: h=12 m=4
